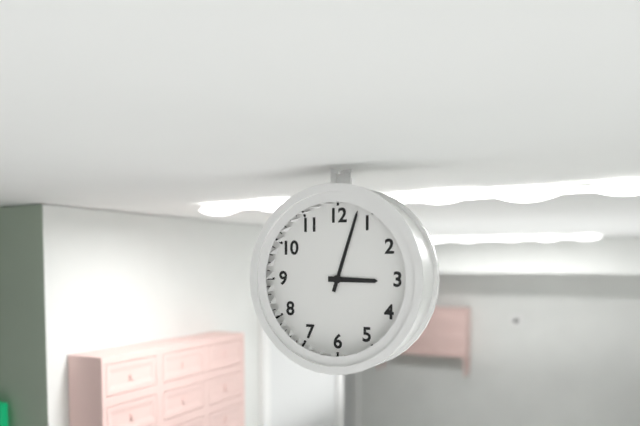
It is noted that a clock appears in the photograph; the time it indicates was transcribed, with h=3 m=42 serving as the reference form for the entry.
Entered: h=3 m=3
